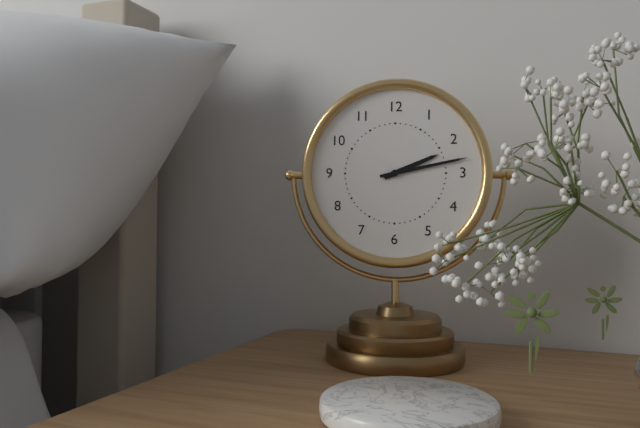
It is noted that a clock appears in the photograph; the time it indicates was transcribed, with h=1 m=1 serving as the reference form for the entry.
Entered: h=2 m=13
